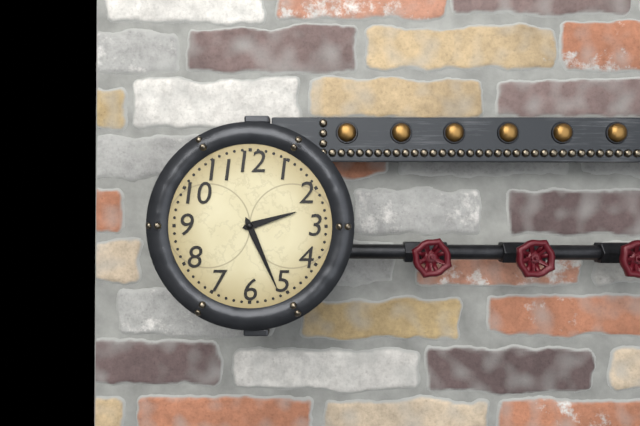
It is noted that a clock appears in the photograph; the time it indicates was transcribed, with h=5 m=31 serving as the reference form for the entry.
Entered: h=2 m=26
